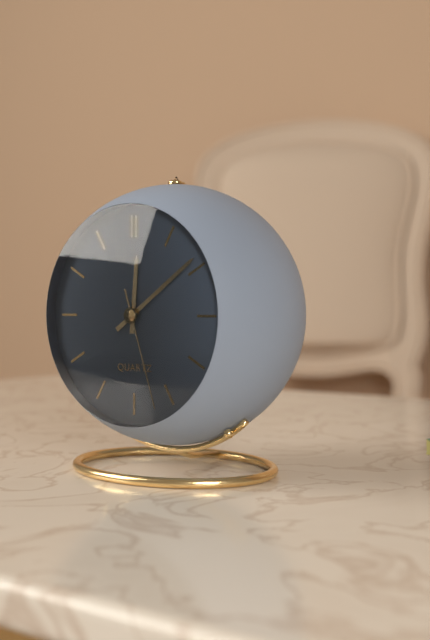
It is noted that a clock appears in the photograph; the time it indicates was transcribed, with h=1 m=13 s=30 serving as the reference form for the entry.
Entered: h=12 m=9 s=27
